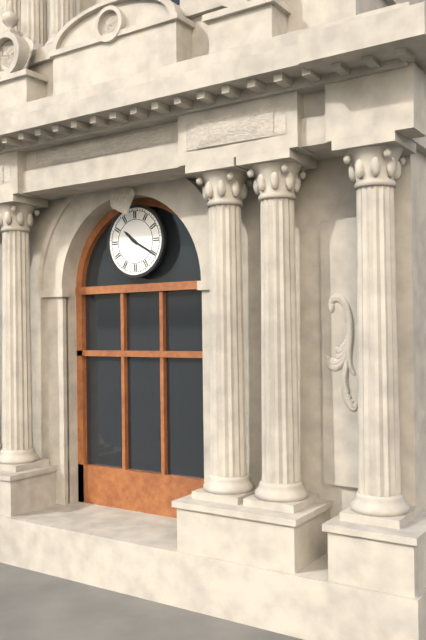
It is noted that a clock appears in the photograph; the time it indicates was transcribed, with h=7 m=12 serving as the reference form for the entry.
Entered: h=10 m=20
